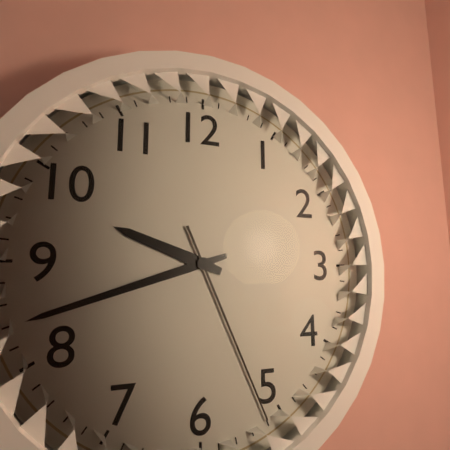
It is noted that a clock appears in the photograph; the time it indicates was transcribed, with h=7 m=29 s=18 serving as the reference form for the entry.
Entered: h=9 m=42 s=26
